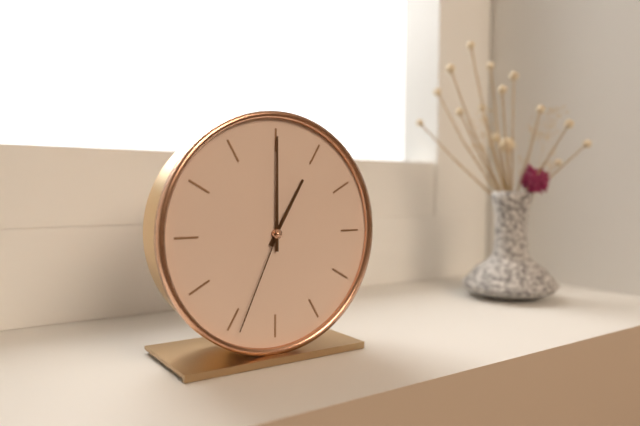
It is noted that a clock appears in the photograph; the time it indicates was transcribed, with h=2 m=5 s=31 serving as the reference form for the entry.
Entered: h=1 m=0 s=34
